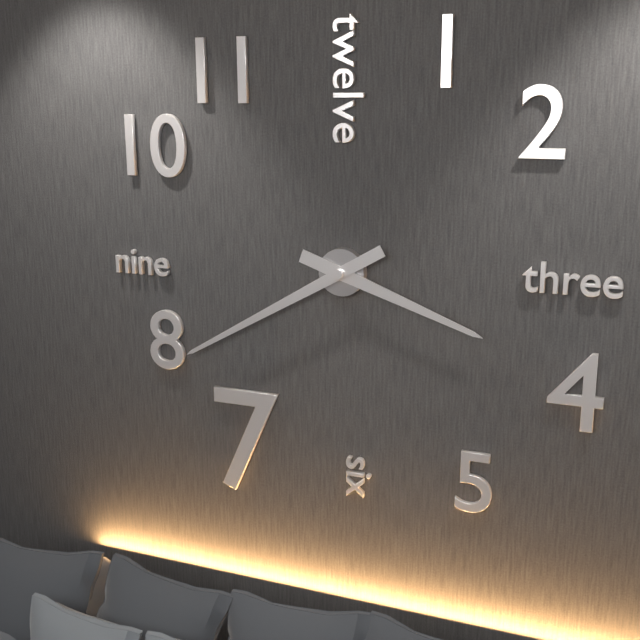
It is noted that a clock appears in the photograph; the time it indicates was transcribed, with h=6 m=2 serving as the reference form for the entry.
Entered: h=3 m=40
